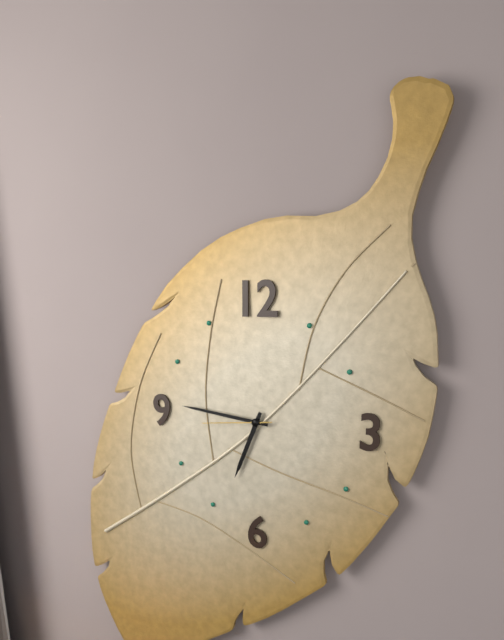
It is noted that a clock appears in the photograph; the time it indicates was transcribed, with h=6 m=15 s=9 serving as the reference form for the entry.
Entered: h=6 m=46 s=44
